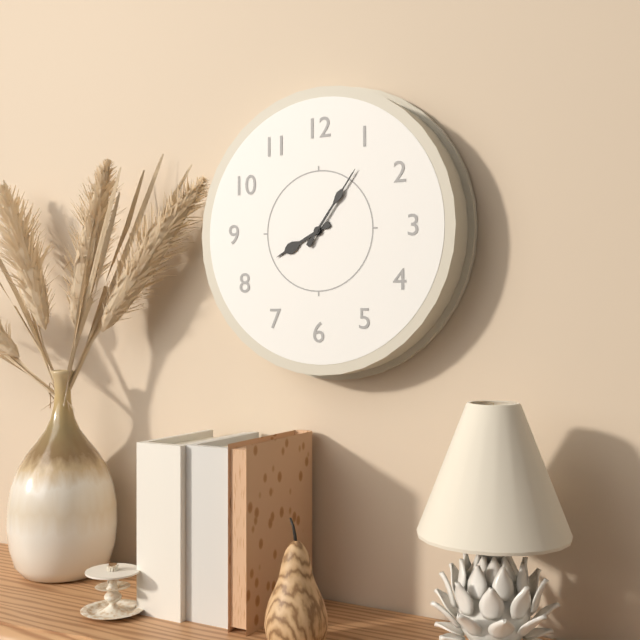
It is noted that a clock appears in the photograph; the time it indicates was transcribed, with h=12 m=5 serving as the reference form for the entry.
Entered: h=8 m=6
